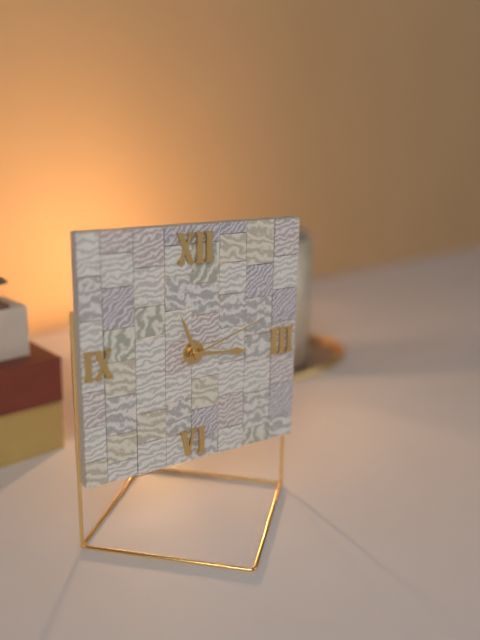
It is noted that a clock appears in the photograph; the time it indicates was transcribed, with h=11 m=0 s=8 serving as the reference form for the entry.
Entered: h=11 m=16 s=12
